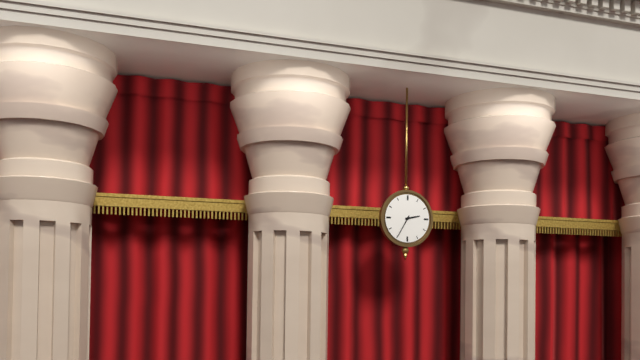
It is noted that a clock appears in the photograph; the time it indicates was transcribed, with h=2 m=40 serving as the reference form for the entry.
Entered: h=2 m=35
